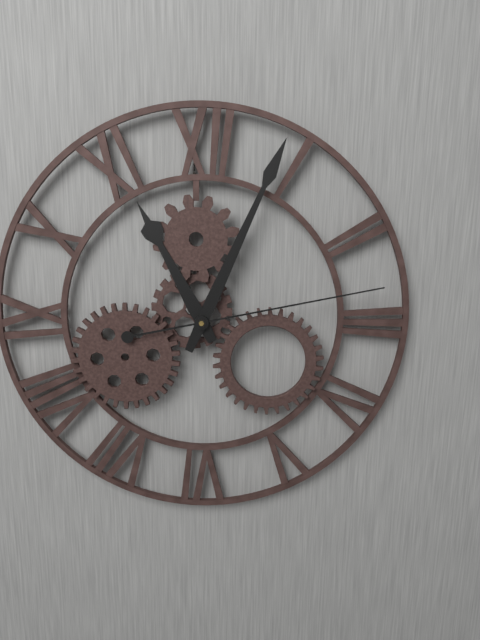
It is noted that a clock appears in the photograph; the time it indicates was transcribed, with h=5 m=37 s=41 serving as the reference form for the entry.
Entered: h=11 m=4 s=13
